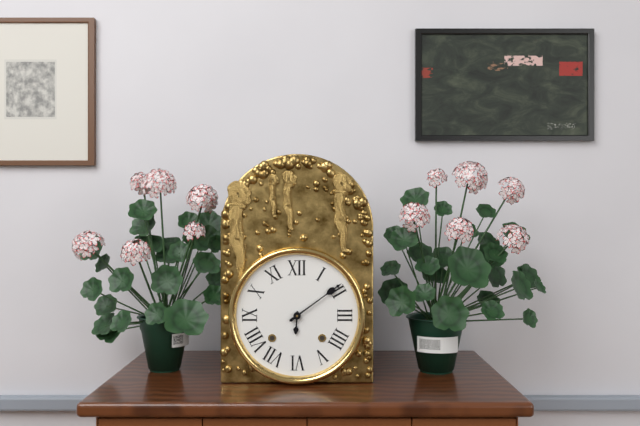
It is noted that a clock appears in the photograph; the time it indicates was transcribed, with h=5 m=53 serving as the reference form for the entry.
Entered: h=6 m=9
